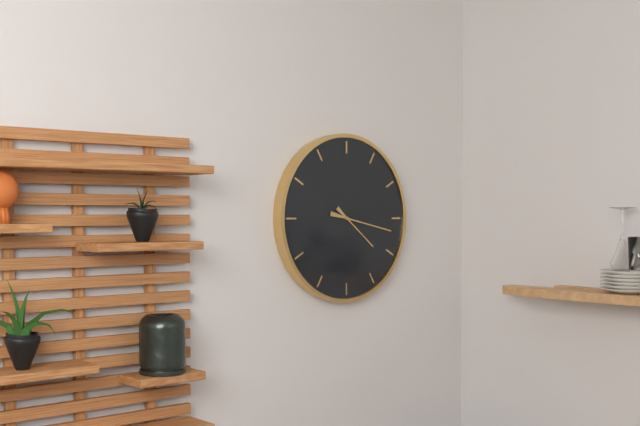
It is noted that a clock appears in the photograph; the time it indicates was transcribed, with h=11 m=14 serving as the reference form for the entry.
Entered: h=4 m=17
